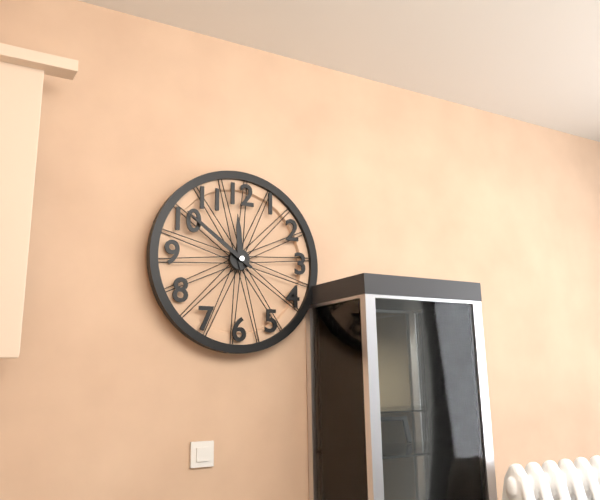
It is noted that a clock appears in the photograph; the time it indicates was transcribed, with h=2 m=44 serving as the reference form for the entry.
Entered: h=11 m=51
